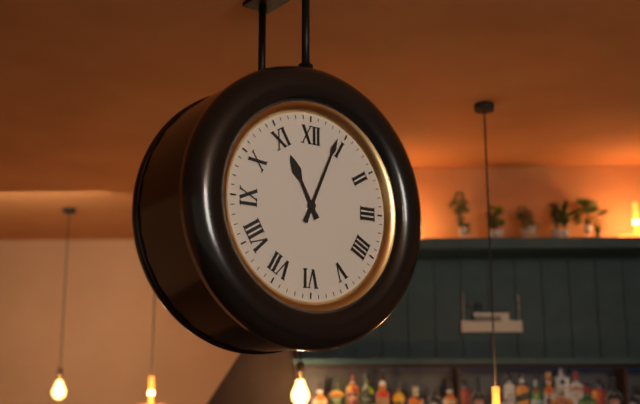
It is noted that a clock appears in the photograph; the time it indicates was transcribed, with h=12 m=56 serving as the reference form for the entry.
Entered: h=11 m=4
